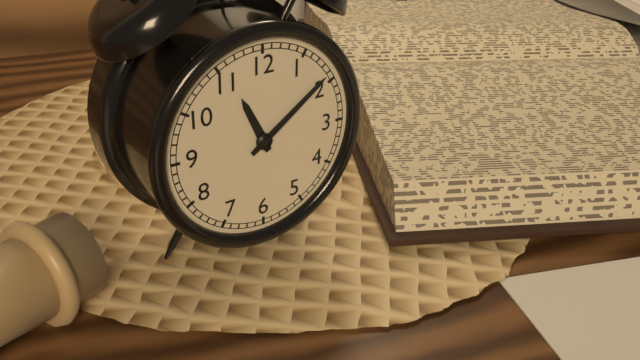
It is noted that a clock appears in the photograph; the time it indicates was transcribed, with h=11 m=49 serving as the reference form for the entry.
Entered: h=11 m=9
